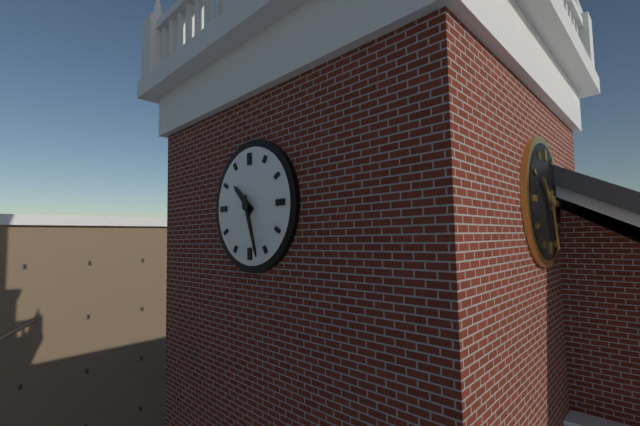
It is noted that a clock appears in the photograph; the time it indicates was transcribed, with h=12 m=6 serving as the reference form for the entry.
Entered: h=10 m=27
